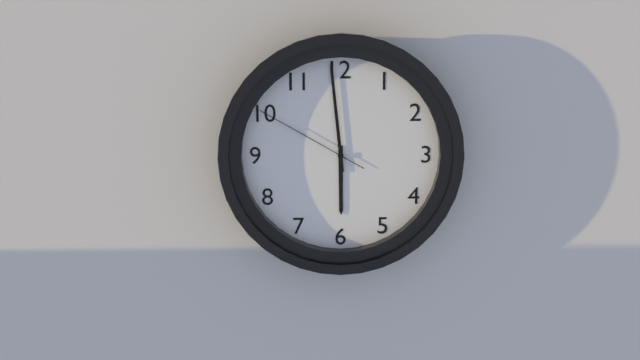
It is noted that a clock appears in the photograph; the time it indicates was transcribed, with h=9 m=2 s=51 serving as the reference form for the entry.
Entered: h=5 m=59 s=50
